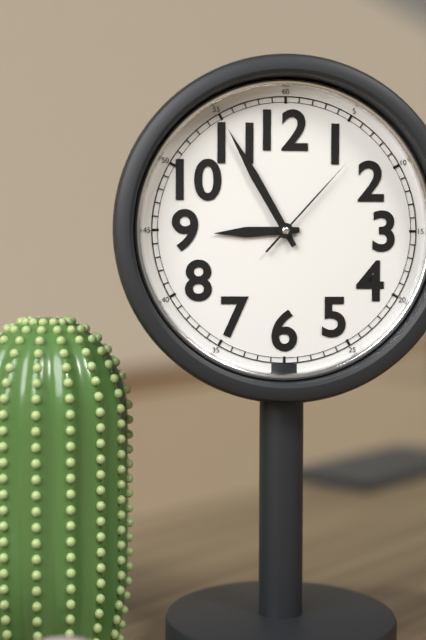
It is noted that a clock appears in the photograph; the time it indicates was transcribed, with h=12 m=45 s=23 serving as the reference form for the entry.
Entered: h=8 m=55 s=7
